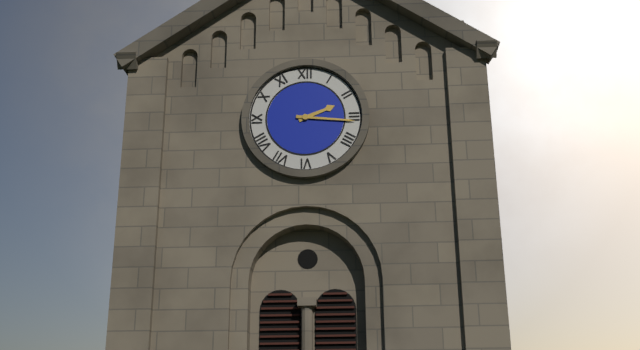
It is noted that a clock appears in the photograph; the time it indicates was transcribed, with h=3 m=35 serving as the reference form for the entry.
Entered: h=2 m=16
